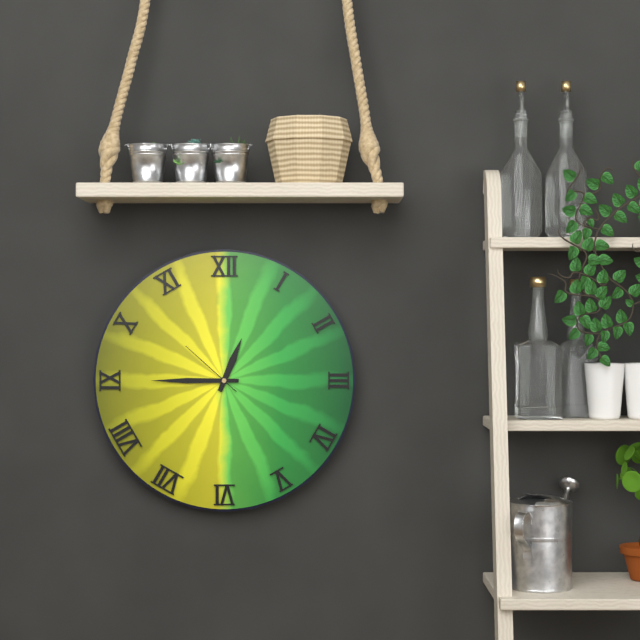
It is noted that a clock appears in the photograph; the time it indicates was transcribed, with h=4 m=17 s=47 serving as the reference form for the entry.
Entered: h=12 m=45 s=52
